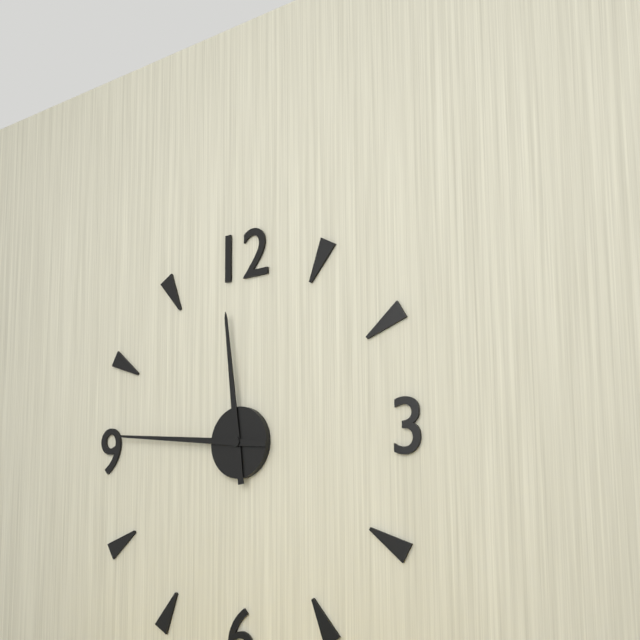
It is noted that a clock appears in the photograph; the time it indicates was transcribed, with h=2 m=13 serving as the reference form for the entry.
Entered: h=11 m=46
